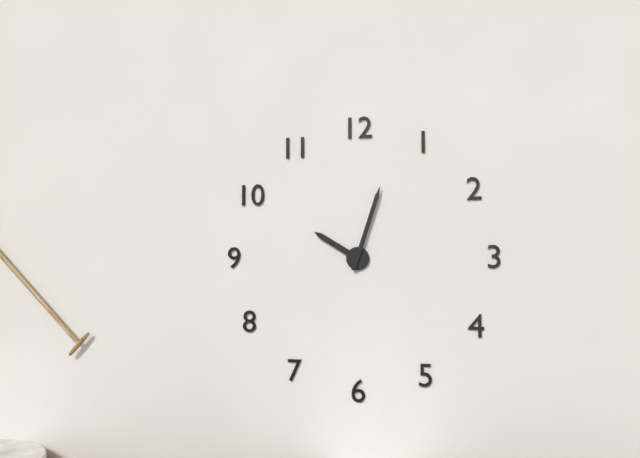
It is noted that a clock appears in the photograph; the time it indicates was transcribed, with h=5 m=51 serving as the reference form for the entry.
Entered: h=10 m=3
